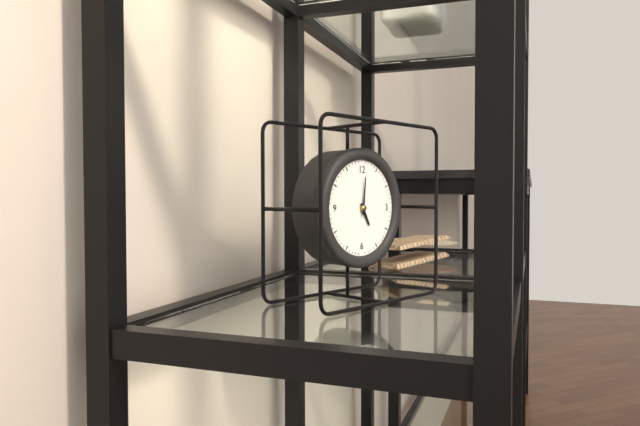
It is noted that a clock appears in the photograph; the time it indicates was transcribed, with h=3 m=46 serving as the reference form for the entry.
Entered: h=5 m=1
